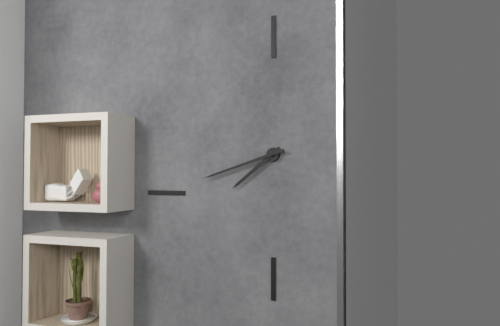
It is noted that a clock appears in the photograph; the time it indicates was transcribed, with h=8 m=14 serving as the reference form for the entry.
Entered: h=7 m=42
